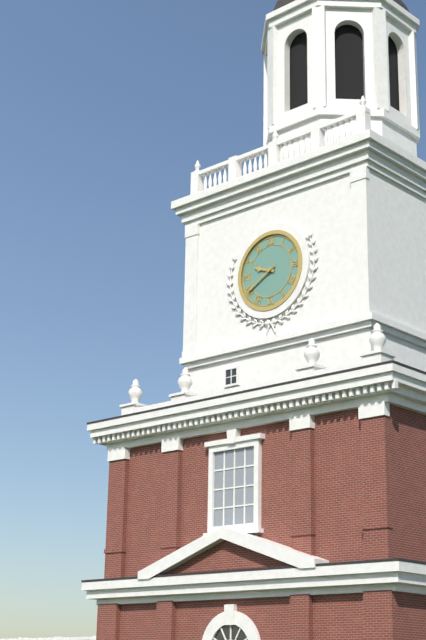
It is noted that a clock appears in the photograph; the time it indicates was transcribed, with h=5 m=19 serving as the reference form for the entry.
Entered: h=9 m=40
